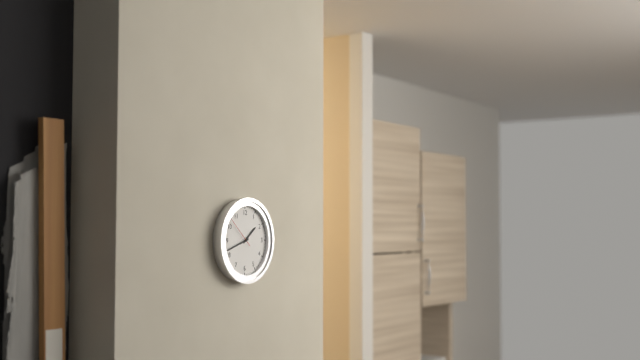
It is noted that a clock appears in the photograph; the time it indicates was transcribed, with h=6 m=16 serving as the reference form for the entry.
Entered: h=1 m=42
